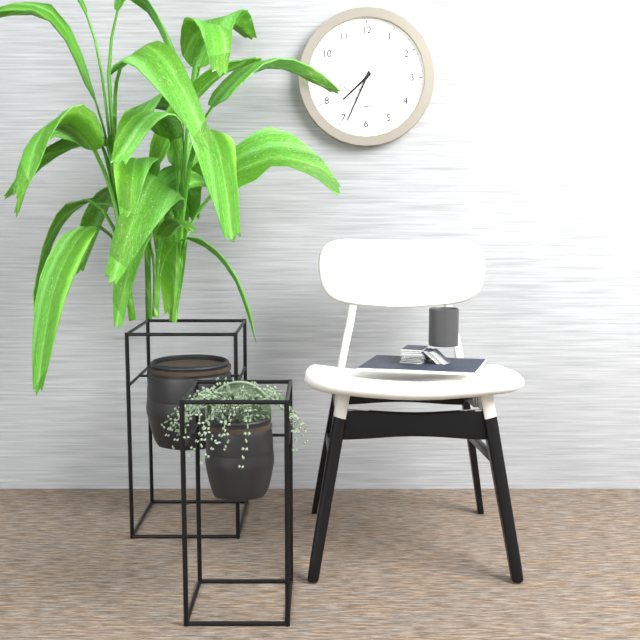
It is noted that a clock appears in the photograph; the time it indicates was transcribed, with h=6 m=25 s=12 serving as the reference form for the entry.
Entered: h=7 m=34 s=47
